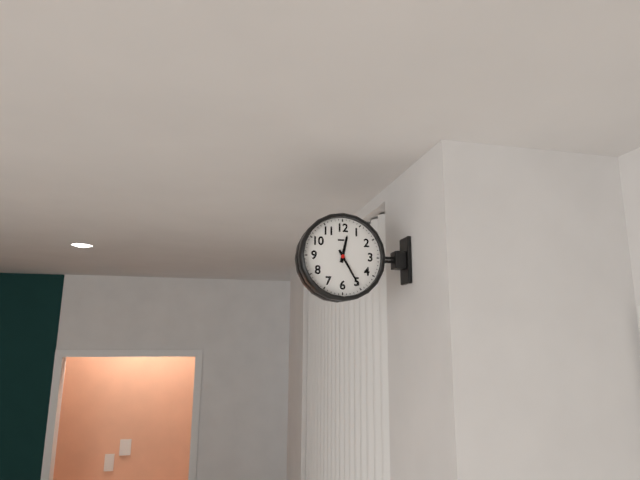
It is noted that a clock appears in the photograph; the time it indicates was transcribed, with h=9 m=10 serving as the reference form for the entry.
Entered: h=12 m=25
